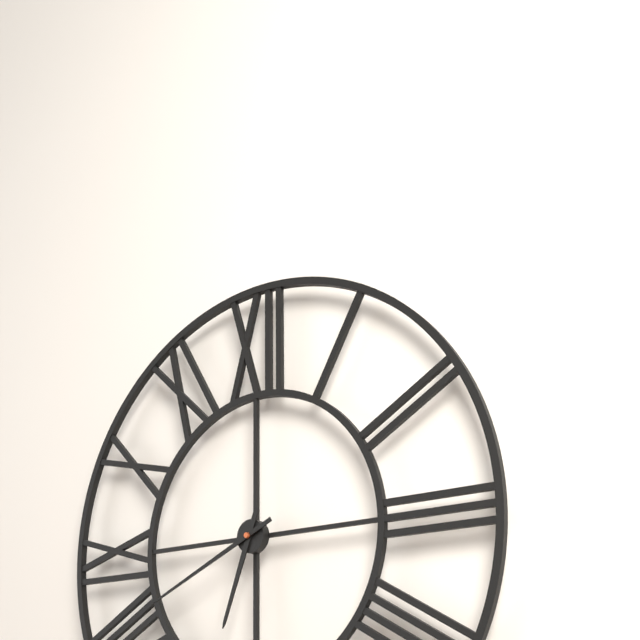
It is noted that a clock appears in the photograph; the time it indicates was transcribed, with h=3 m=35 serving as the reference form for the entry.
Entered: h=6 m=41
